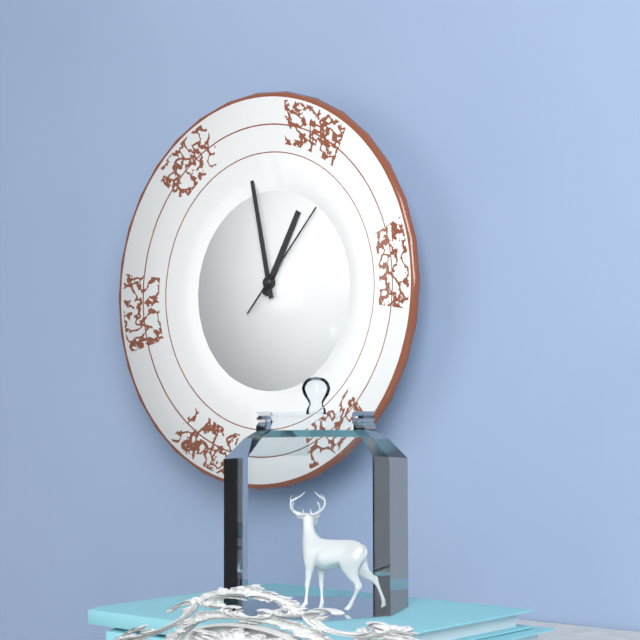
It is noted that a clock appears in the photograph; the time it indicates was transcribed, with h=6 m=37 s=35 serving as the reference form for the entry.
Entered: h=12 m=58 s=7
